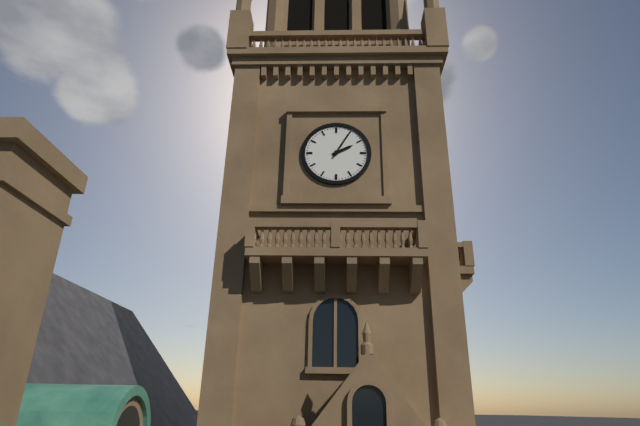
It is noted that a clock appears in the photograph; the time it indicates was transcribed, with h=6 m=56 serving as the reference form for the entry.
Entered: h=2 m=5
